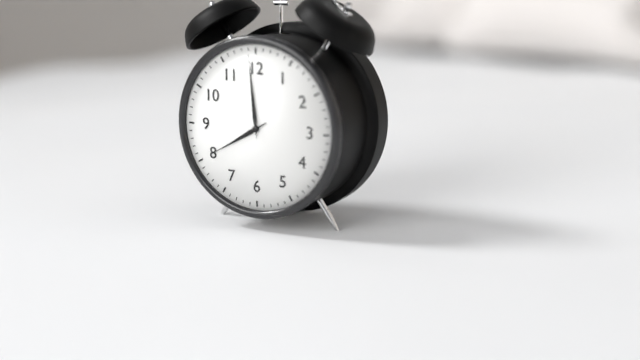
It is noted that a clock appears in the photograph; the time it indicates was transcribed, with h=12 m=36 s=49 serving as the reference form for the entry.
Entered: h=7 m=59 s=40
